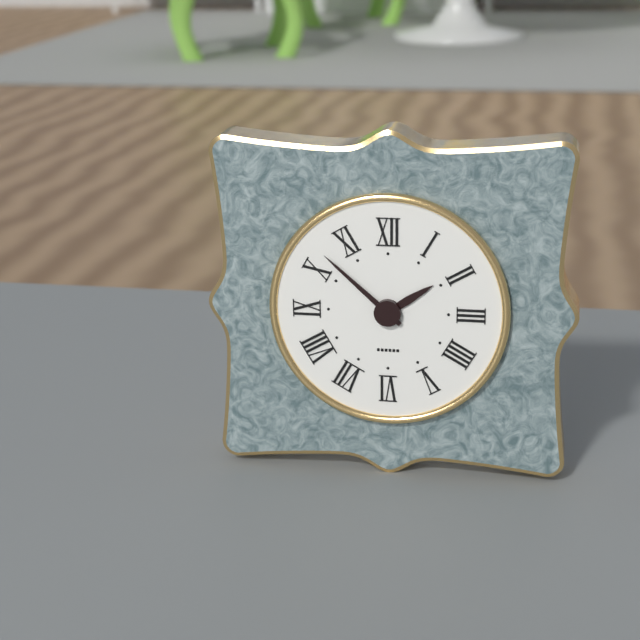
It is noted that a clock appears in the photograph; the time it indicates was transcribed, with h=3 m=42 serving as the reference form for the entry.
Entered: h=1 m=52
